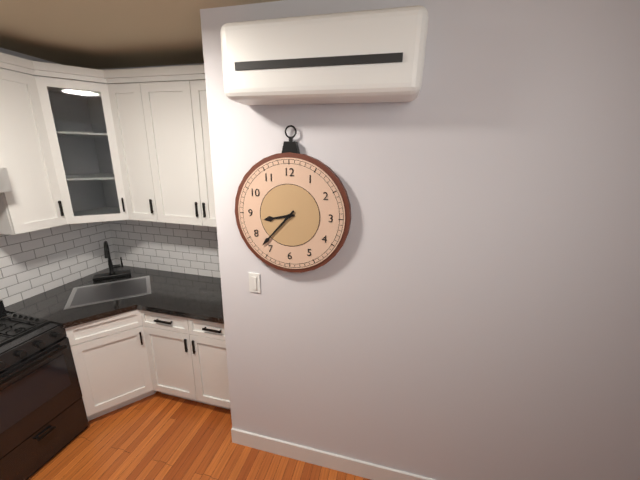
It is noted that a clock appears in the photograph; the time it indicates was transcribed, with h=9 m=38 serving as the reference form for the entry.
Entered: h=8 m=37
